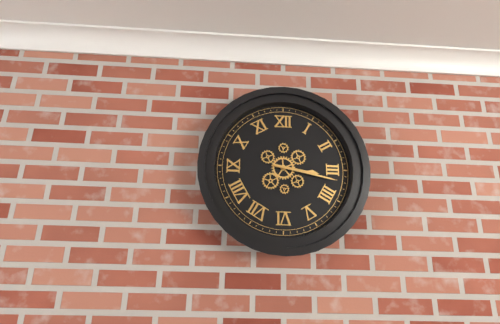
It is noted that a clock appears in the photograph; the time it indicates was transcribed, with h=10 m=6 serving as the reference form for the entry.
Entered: h=3 m=17
